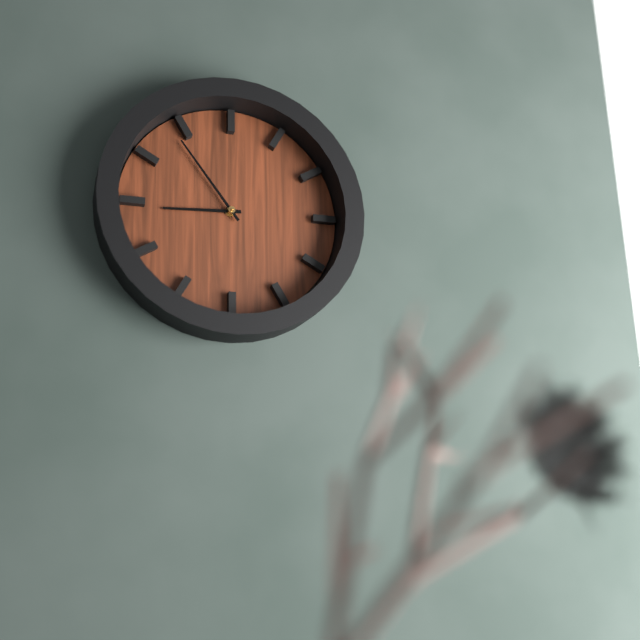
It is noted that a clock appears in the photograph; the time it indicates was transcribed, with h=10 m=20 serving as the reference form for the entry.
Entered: h=8 m=54
